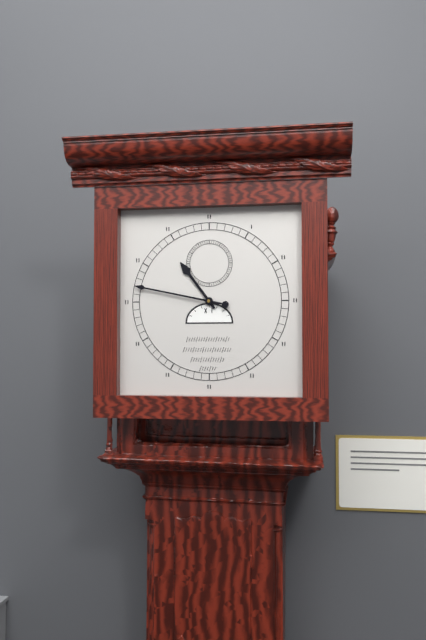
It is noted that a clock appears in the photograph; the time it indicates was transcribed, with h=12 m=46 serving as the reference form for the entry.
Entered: h=10 m=47
